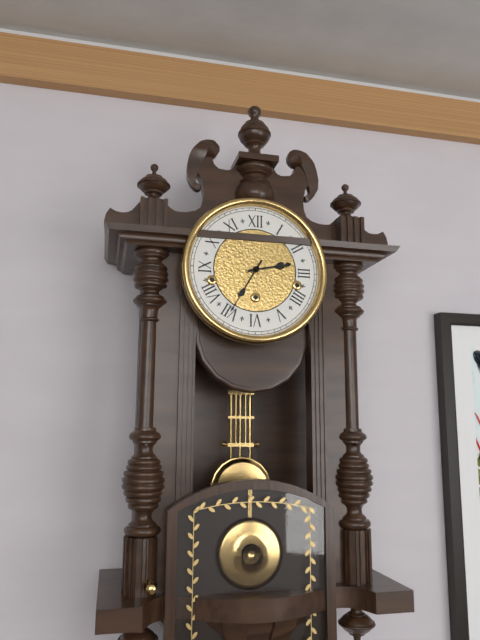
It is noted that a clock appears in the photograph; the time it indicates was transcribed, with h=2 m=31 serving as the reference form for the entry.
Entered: h=2 m=35
